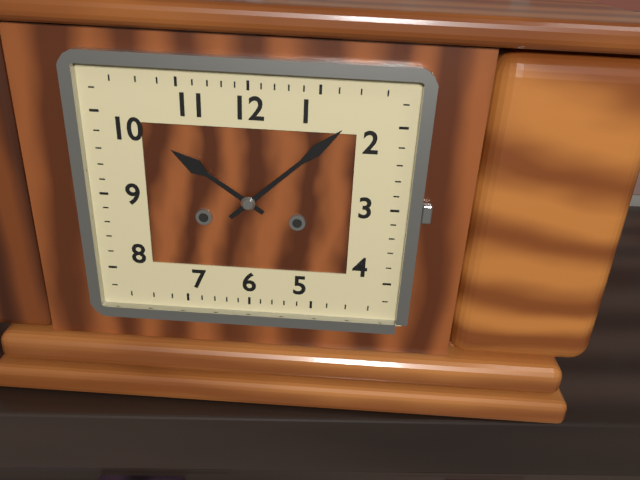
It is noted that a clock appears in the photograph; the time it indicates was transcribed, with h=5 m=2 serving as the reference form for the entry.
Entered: h=10 m=8
